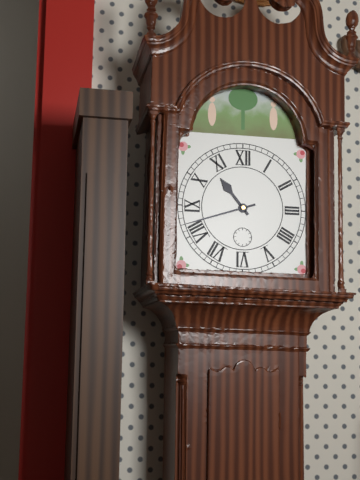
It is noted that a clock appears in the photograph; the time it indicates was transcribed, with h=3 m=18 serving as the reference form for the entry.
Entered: h=10 m=42
